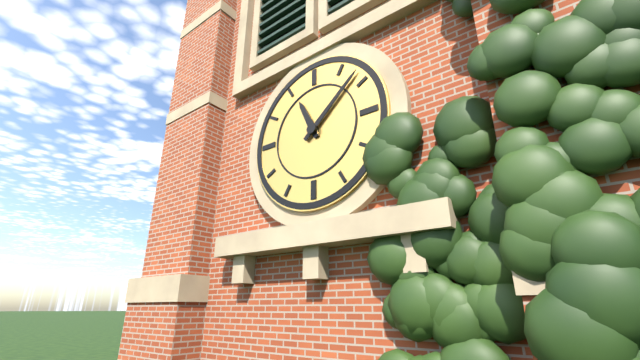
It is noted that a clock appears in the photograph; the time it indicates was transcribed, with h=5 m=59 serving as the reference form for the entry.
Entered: h=11 m=8
